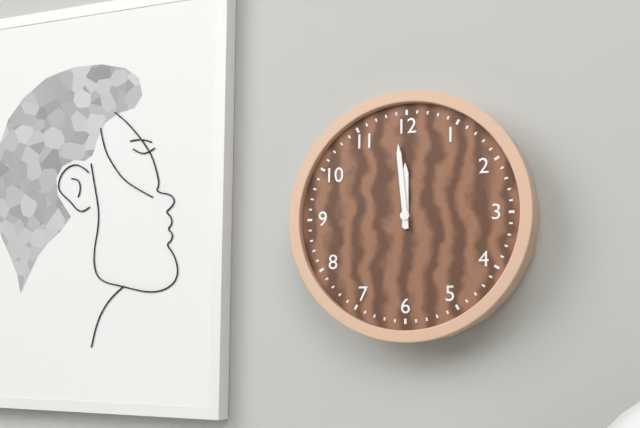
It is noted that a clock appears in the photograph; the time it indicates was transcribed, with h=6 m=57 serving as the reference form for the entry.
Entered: h=11 m=59
